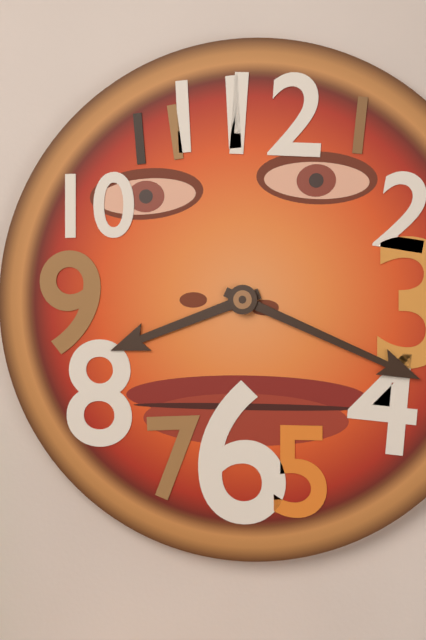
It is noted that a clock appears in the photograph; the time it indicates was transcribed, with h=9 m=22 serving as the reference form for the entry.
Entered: h=8 m=19
